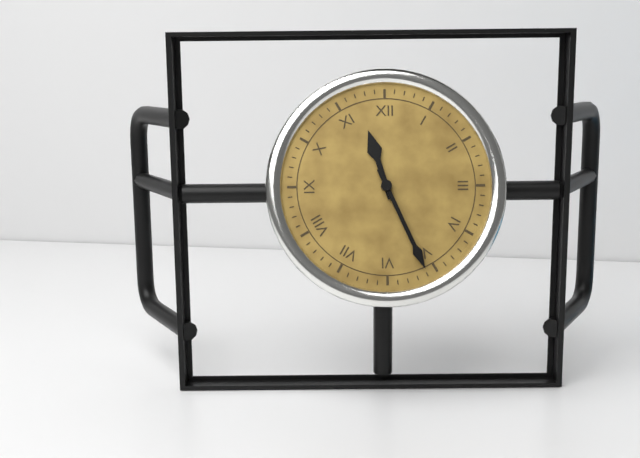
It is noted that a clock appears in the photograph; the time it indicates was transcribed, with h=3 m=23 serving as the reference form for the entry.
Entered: h=11 m=26
